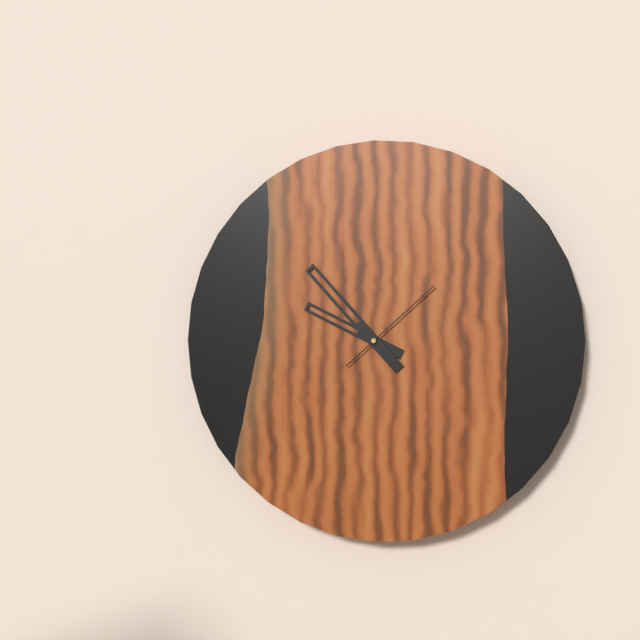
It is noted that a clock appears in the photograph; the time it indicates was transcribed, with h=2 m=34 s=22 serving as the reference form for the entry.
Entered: h=9 m=53 s=8
